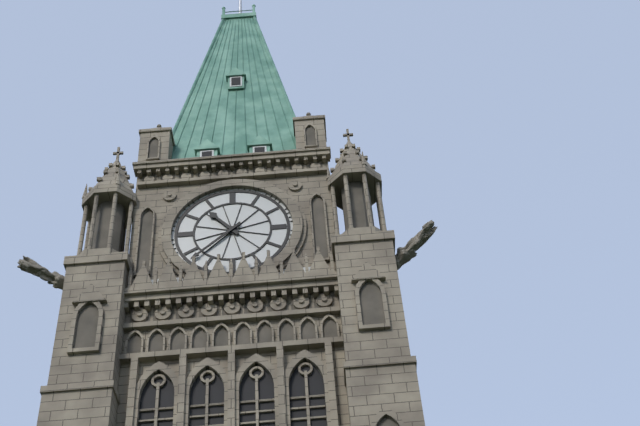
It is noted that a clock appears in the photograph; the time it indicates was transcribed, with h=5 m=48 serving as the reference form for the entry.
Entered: h=10 m=38
